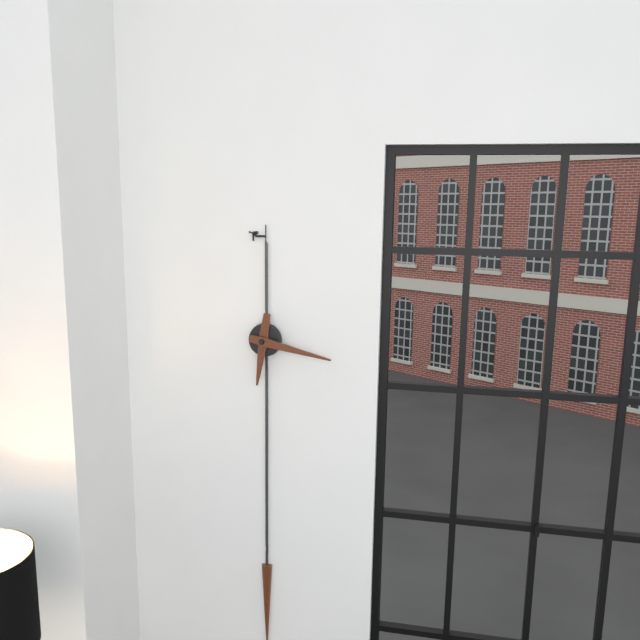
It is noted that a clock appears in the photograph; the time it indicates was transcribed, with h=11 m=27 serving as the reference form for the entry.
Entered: h=6 m=17
